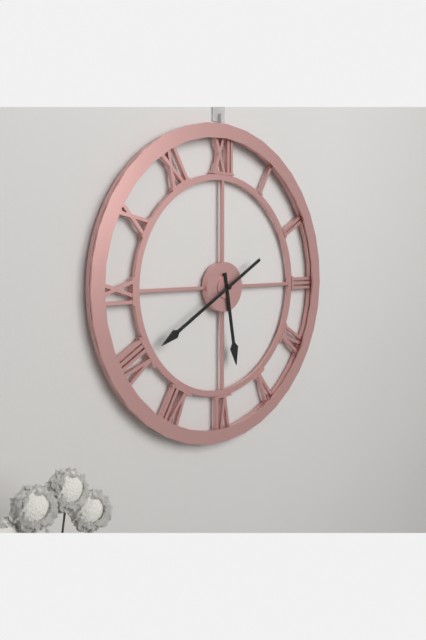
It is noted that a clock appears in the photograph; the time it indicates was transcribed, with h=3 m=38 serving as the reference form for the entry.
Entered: h=5 m=40
